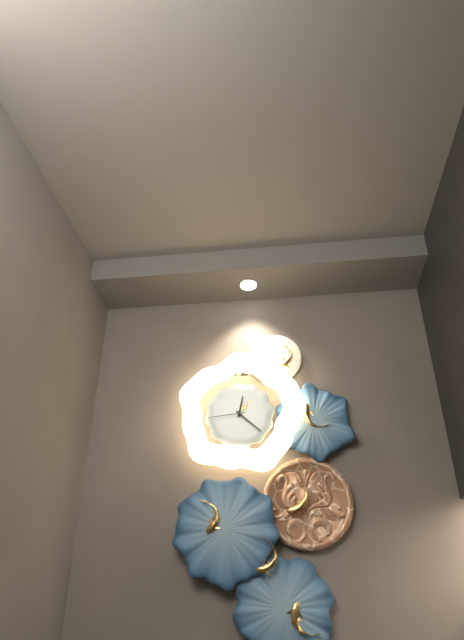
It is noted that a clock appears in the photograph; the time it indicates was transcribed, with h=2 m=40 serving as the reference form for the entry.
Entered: h=12 m=22
